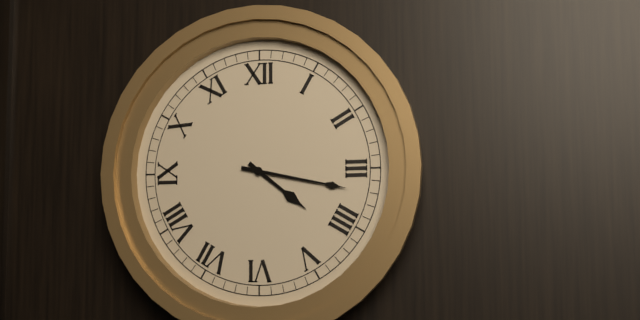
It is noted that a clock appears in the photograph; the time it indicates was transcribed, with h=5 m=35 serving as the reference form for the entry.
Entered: h=4 m=17
